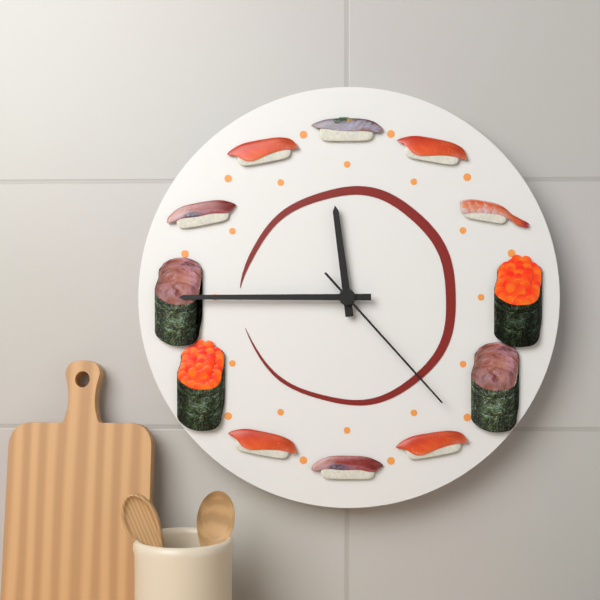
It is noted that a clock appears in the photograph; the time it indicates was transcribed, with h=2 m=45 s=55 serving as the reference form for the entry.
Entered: h=11 m=45 s=23
